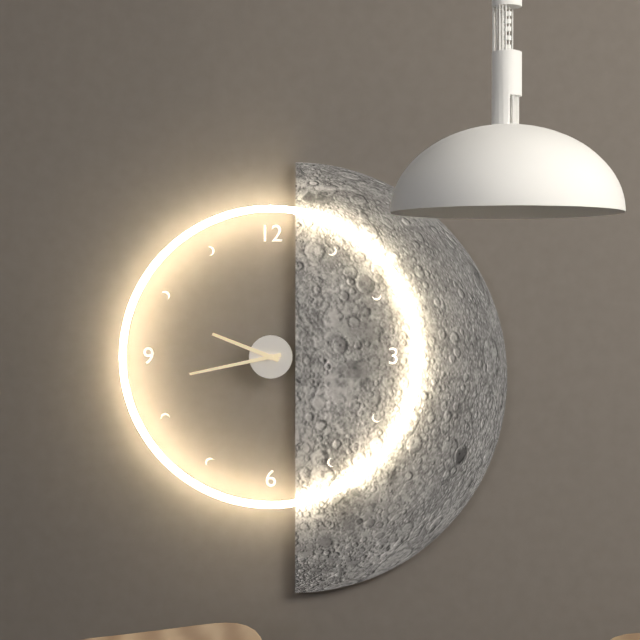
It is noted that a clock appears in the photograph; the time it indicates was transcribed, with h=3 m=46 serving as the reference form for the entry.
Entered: h=9 m=43
